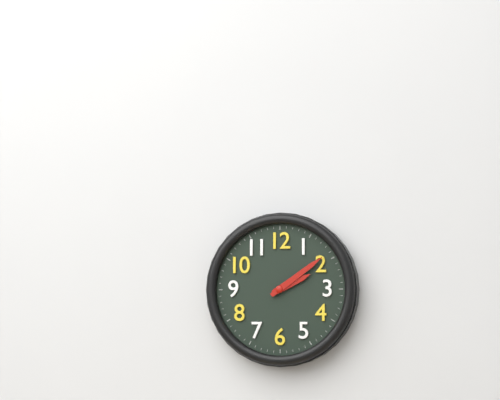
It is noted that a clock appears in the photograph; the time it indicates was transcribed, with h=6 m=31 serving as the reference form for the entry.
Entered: h=2 m=9
